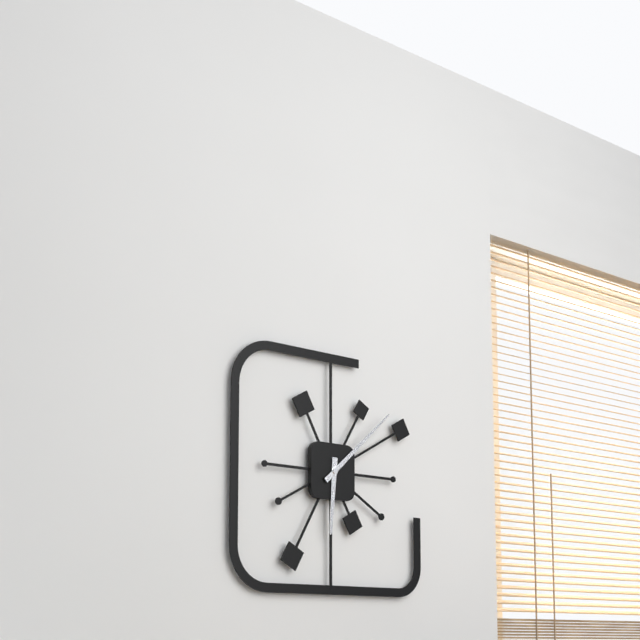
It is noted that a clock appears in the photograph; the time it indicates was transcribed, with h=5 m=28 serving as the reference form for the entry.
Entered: h=6 m=8
